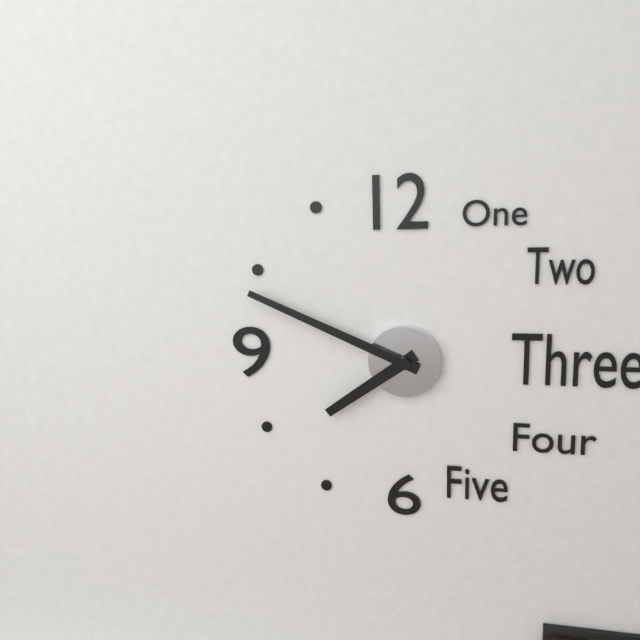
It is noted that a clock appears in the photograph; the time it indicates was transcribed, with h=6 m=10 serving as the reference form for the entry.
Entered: h=7 m=49
